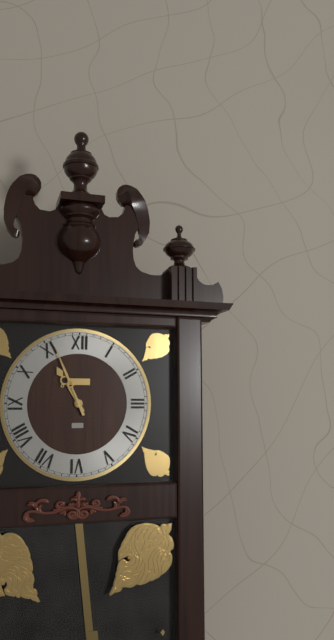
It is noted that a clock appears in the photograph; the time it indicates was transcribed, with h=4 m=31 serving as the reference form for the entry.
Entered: h=10 m=56
